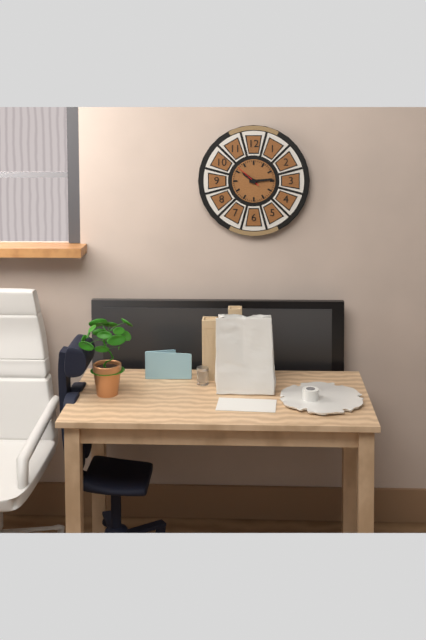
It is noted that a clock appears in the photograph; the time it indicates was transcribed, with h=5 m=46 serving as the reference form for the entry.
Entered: h=10 m=14
